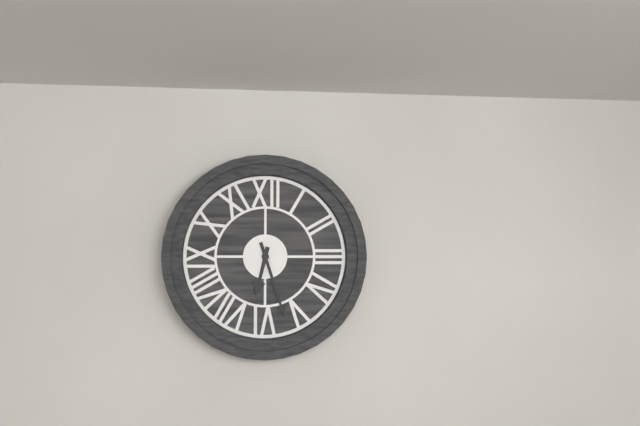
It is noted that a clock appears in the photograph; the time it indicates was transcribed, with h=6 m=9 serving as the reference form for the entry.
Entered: h=6 m=27
